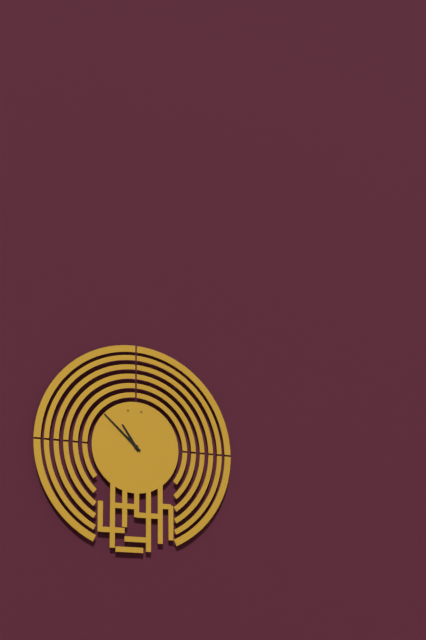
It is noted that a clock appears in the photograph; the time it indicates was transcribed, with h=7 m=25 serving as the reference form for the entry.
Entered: h=10 m=52
